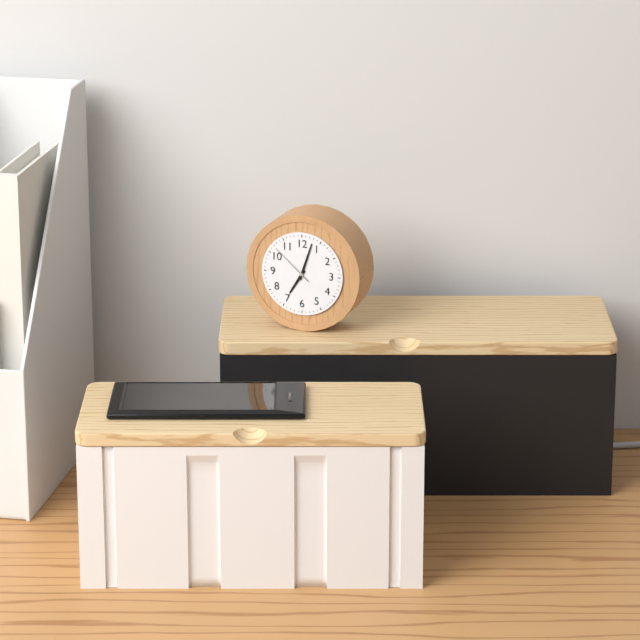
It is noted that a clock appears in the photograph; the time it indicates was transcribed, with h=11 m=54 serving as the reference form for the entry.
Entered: h=7 m=3
